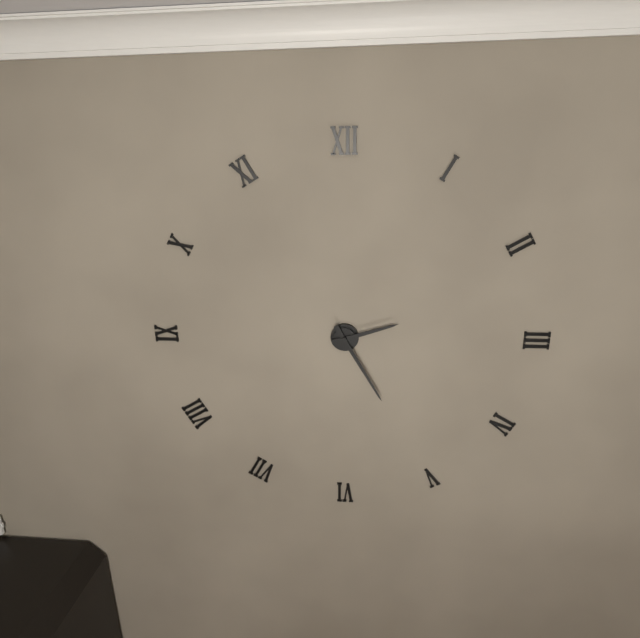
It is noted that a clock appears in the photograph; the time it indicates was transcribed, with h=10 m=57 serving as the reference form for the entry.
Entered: h=2 m=25
